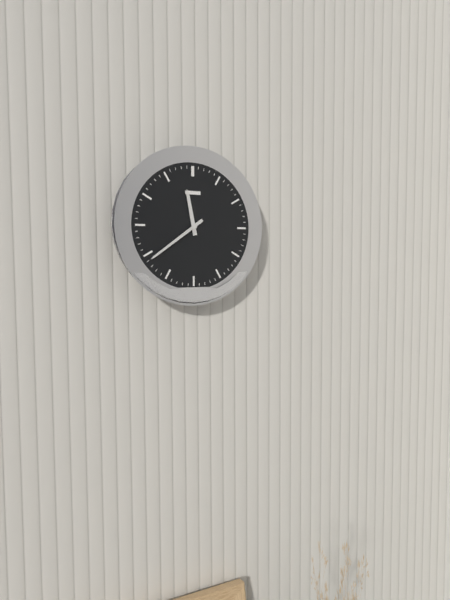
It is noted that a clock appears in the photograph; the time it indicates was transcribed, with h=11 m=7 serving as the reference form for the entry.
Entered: h=11 m=39
